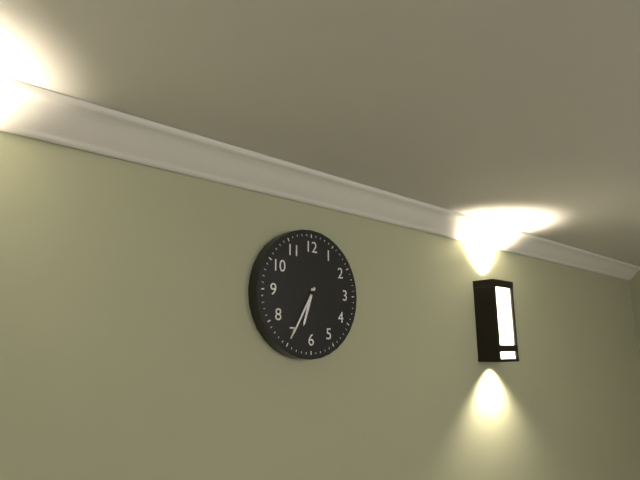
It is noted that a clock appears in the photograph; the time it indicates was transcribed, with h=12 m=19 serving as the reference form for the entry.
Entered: h=6 m=35
